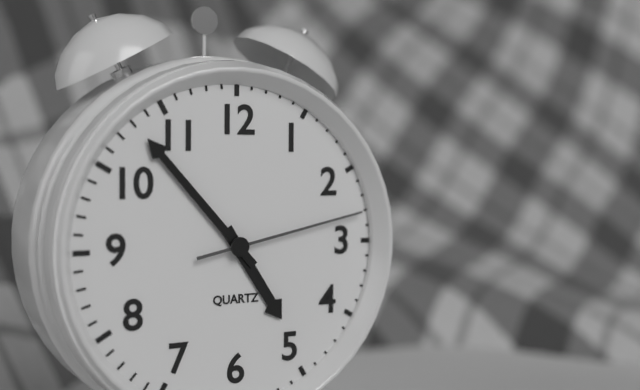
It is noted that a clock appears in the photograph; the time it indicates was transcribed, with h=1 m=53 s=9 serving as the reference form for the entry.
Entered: h=4 m=53 s=13
